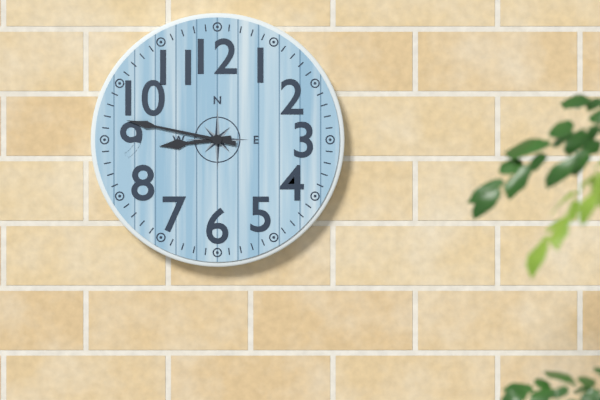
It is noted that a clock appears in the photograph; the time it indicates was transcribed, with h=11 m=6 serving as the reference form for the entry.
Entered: h=8 m=47
